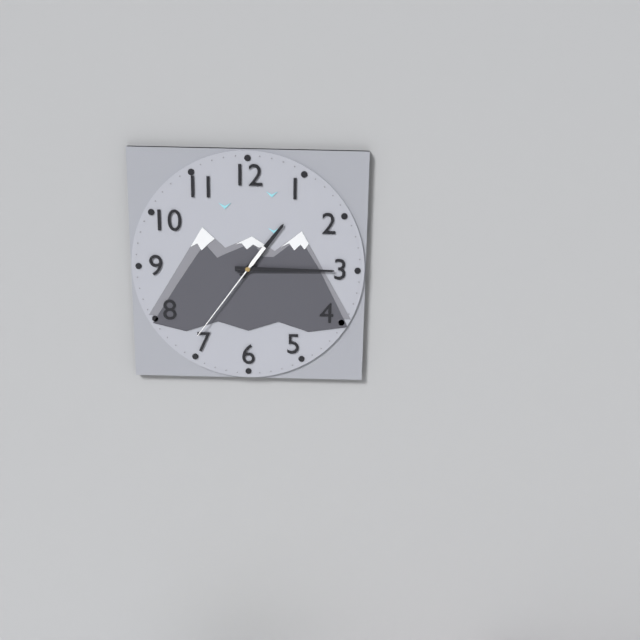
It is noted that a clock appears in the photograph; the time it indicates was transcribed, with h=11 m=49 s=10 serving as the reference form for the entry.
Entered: h=1 m=15 s=36
